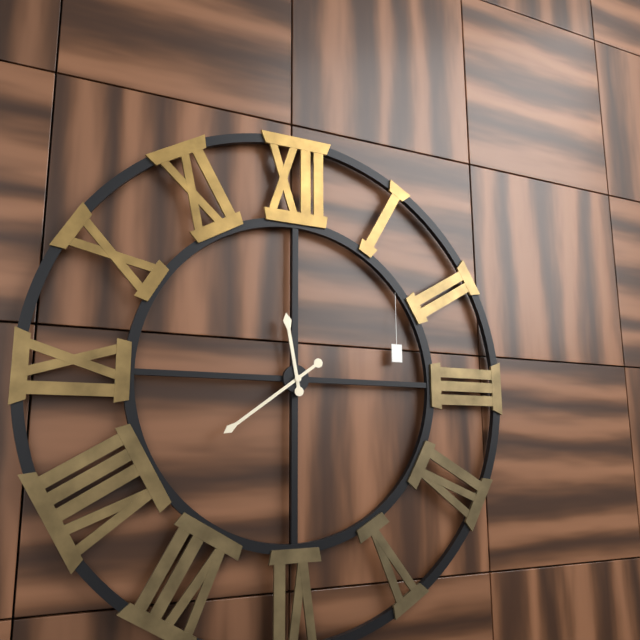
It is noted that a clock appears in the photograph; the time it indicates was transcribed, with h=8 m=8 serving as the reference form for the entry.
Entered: h=11 m=39
